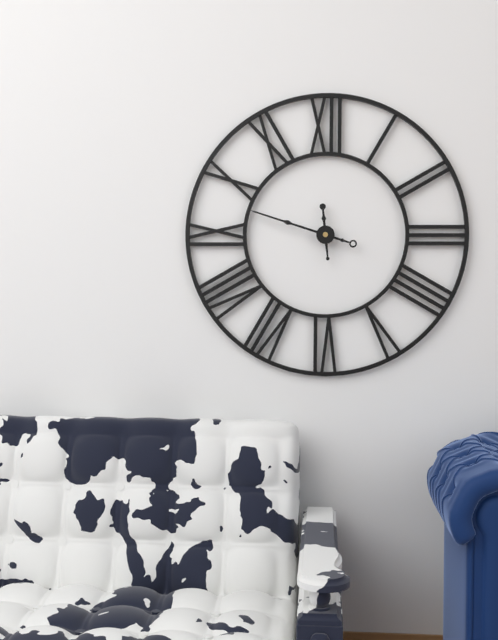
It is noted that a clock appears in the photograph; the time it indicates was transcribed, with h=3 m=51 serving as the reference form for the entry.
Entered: h=11 m=48
